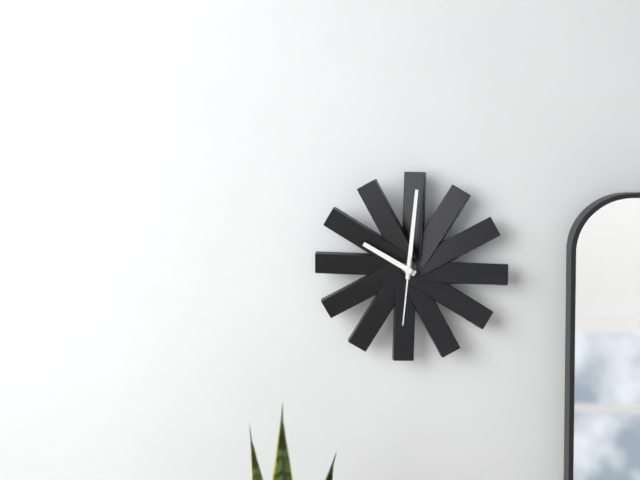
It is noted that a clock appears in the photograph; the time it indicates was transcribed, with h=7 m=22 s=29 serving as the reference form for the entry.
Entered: h=10 m=1 s=31
